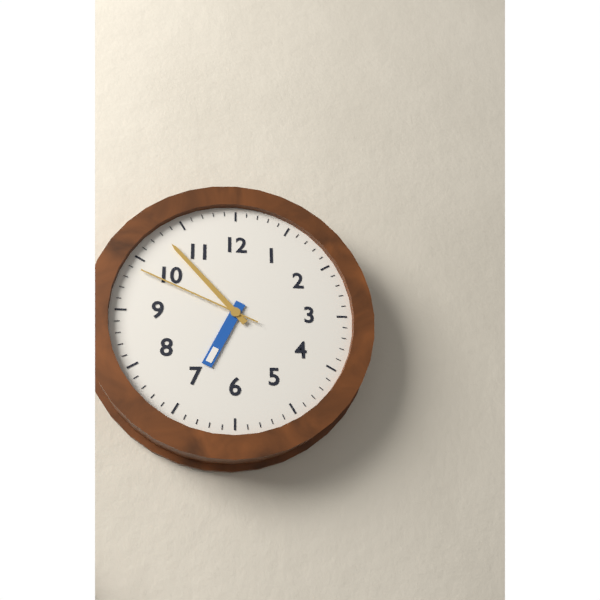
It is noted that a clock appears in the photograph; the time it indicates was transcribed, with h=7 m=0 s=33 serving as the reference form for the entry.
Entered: h=6 m=53 s=49
